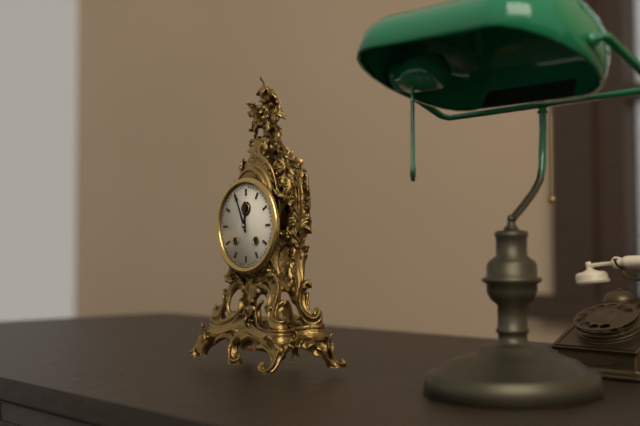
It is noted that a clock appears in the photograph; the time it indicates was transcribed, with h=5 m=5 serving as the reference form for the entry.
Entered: h=11 m=56
